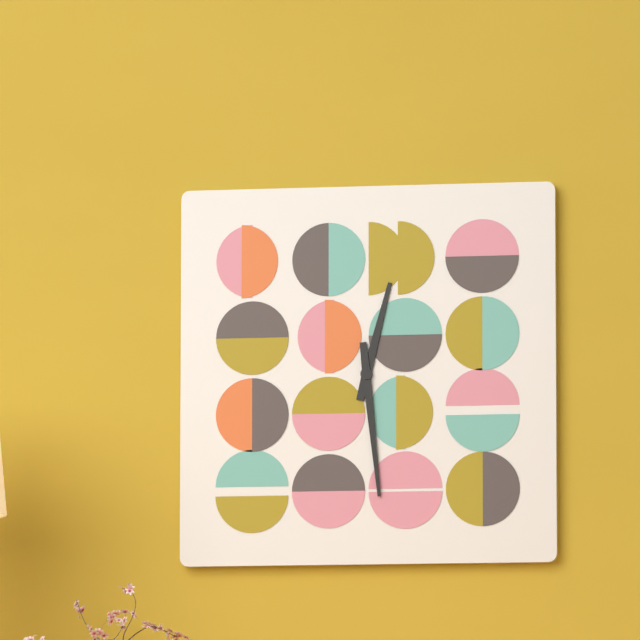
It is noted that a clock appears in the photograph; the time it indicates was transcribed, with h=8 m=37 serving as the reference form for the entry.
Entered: h=12 m=29
